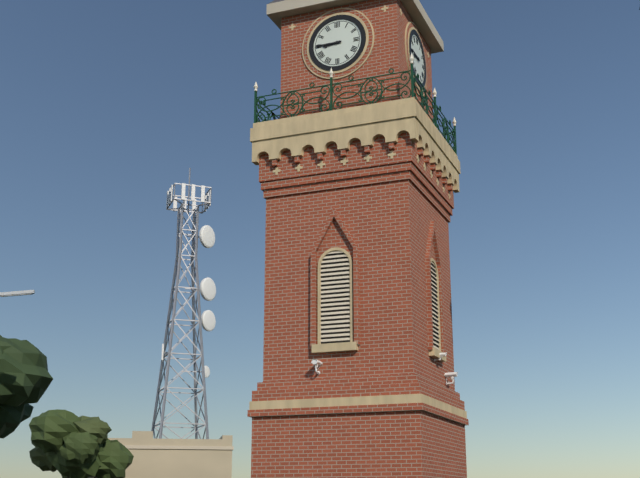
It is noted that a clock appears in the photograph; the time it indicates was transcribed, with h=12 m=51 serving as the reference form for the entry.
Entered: h=8 m=45
